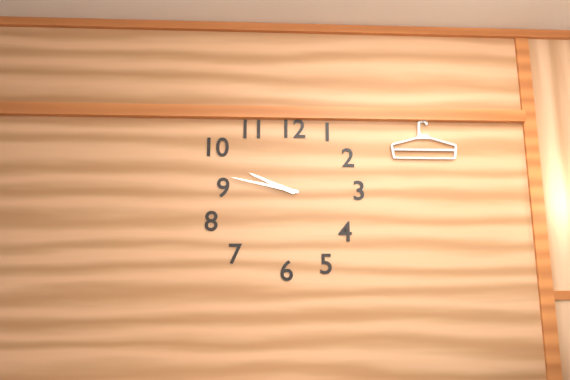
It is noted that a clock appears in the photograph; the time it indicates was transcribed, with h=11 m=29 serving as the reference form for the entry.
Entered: h=9 m=47
